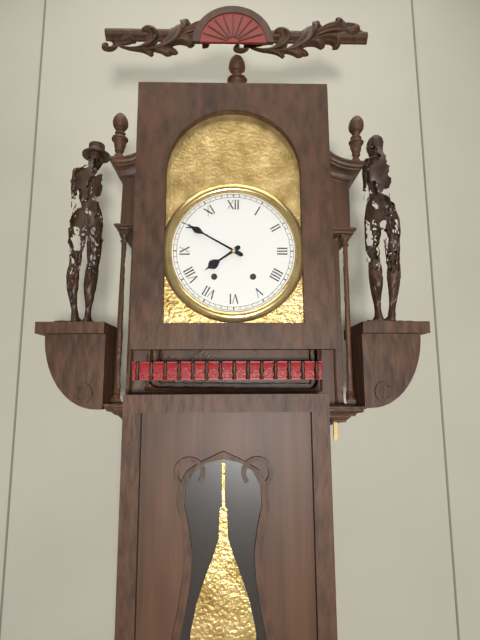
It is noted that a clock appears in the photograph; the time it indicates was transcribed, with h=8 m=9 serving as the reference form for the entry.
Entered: h=7 m=50
